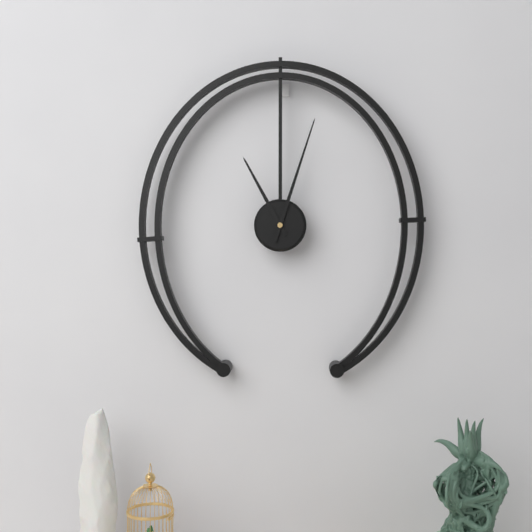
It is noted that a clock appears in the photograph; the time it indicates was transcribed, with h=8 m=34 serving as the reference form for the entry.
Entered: h=11 m=3
